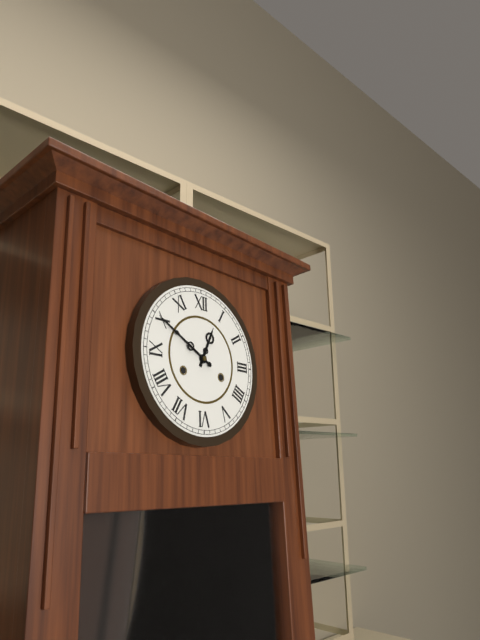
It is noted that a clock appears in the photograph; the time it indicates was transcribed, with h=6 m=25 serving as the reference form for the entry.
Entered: h=12 m=50
